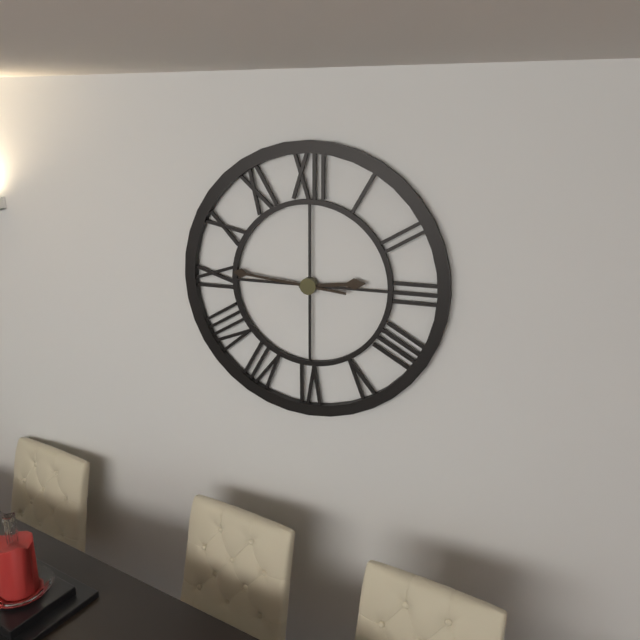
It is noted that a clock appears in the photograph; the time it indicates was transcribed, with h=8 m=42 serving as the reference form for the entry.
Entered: h=2 m=46
